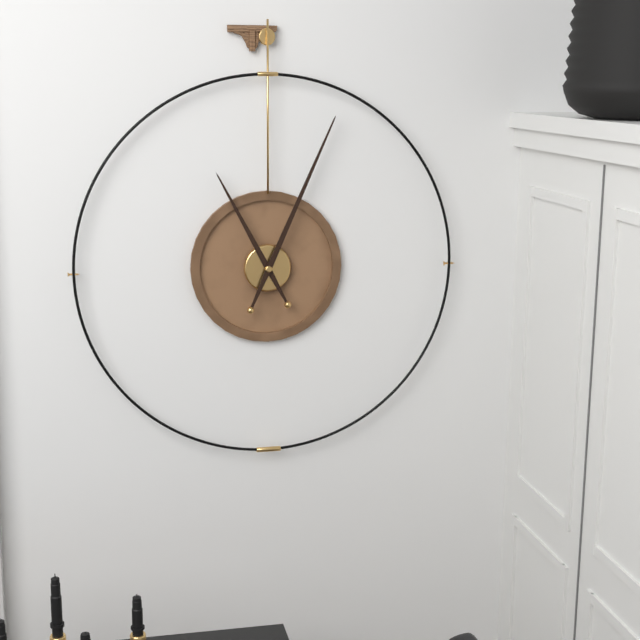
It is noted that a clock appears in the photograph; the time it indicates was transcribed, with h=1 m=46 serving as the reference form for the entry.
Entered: h=11 m=4
